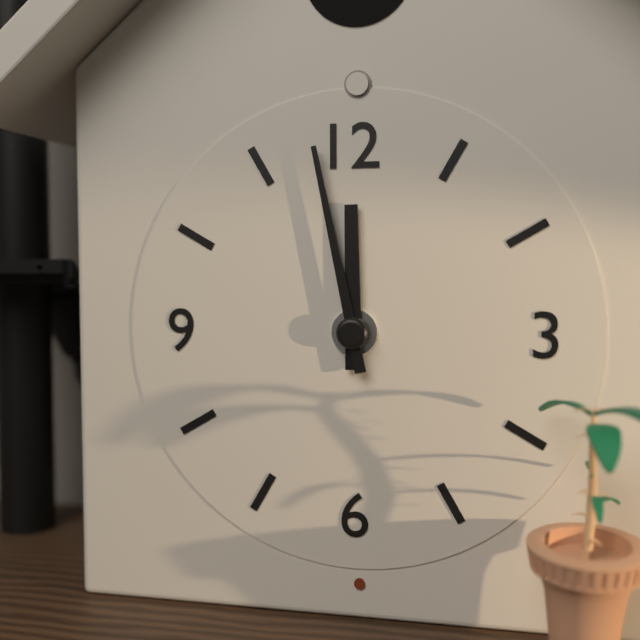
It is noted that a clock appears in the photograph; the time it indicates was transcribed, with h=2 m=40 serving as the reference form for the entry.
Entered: h=11 m=58
